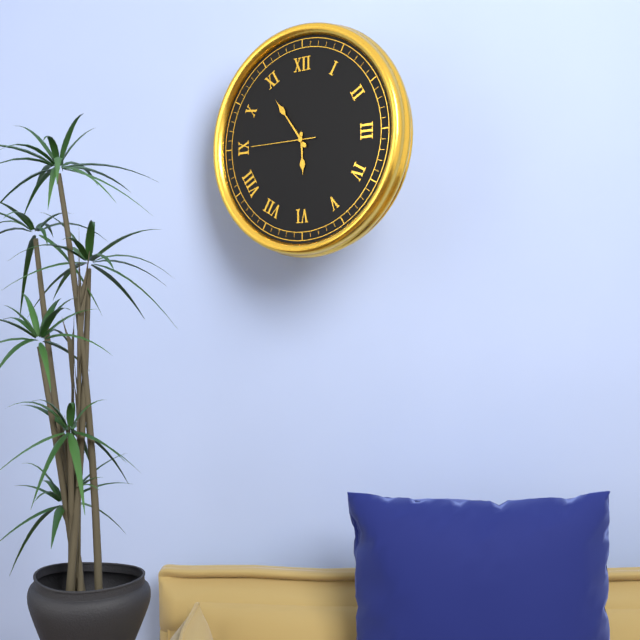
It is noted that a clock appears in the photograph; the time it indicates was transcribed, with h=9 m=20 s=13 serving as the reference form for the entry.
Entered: h=5 m=54 s=45
